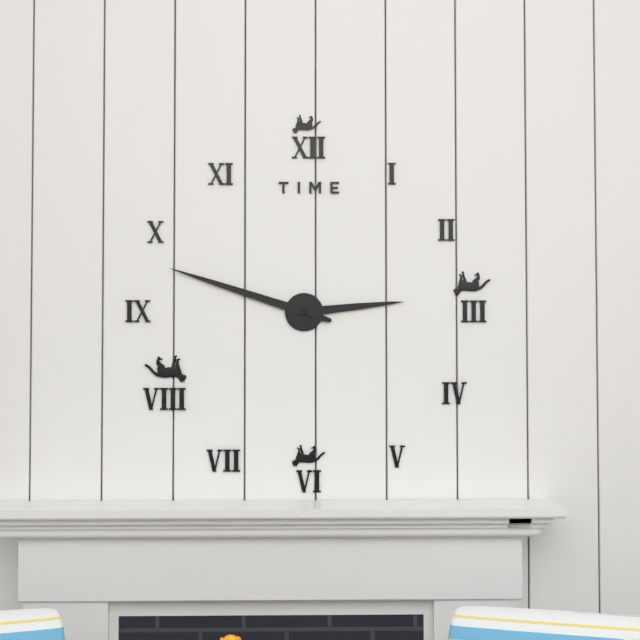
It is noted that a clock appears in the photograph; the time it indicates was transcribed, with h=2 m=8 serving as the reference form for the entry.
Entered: h=2 m=48
